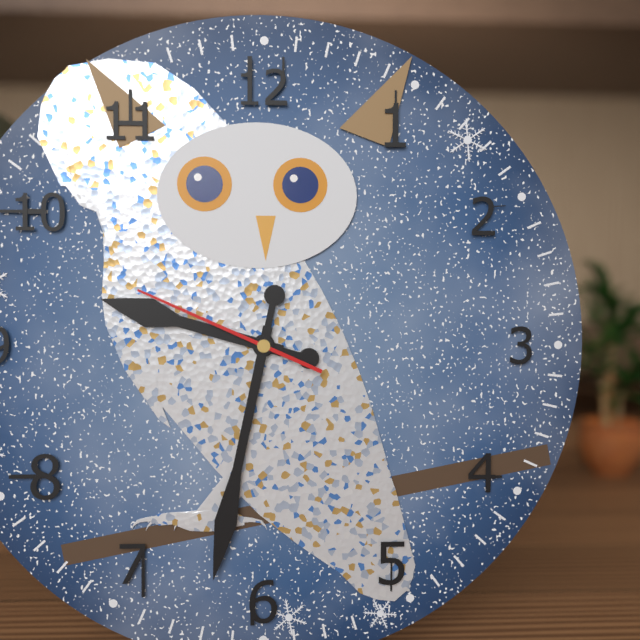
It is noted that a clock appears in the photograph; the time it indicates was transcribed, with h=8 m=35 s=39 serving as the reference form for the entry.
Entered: h=9 m=32 s=49
